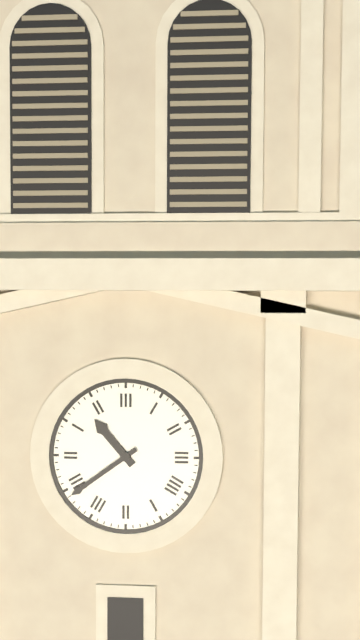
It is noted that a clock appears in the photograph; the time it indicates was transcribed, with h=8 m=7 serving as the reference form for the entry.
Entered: h=10 m=39
